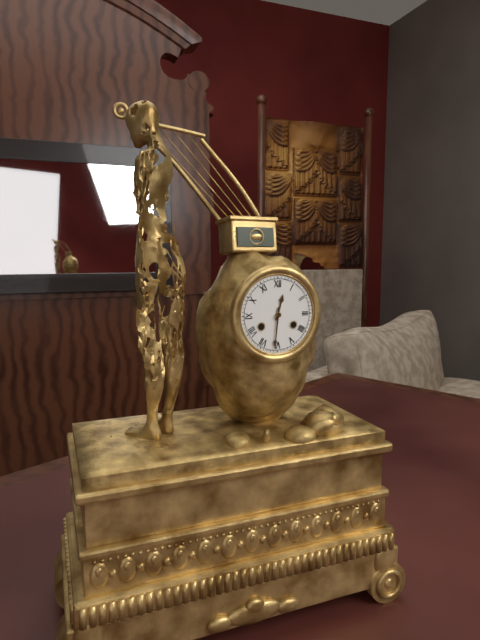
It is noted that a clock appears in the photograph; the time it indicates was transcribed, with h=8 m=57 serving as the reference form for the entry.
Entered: h=12 m=31
